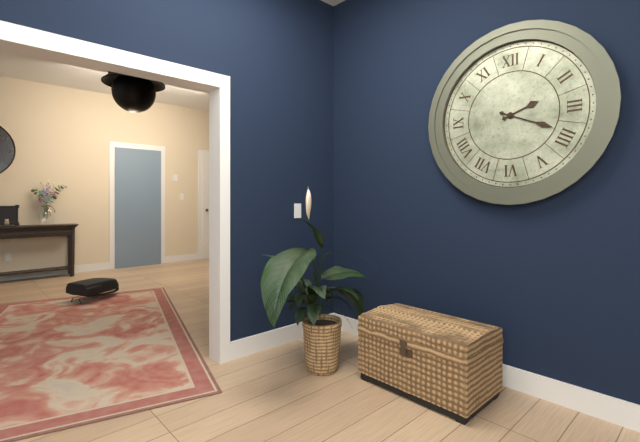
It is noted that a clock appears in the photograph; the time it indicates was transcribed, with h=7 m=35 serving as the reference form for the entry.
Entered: h=2 m=19
